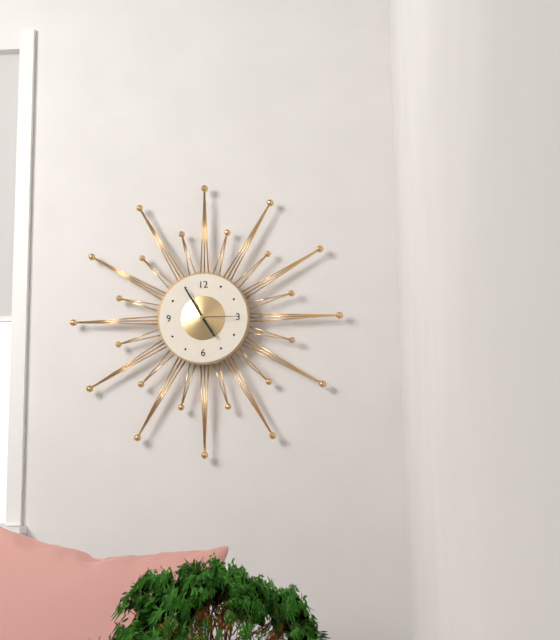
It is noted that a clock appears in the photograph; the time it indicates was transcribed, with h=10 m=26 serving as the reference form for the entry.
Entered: h=4 m=55
